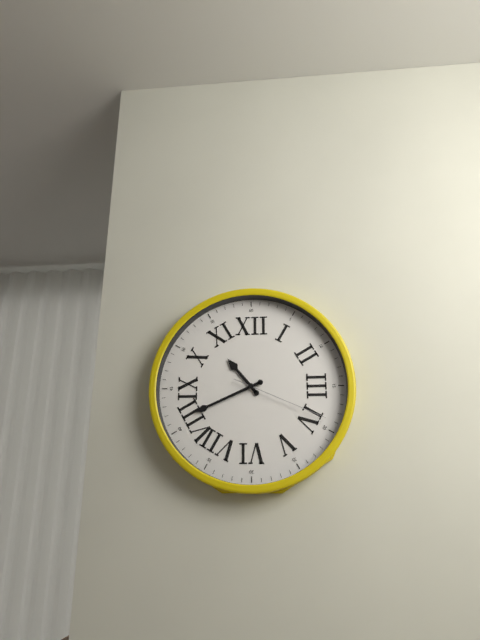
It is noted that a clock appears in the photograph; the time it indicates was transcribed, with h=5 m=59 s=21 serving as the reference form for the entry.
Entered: h=10 m=41 s=19
